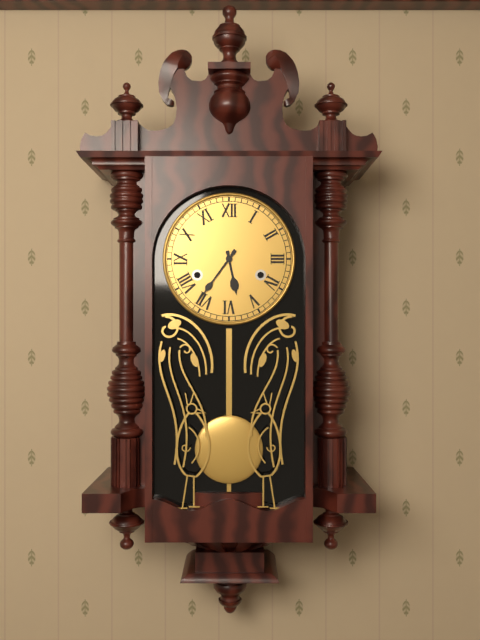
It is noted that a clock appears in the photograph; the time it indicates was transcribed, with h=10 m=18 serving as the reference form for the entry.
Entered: h=5 m=36
